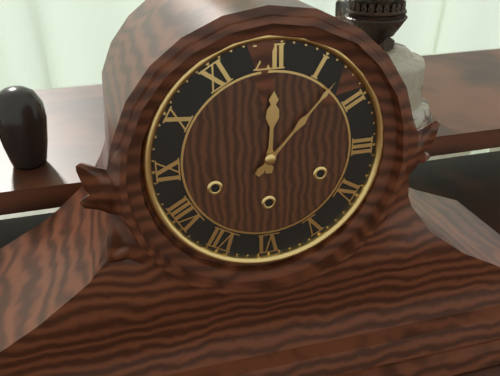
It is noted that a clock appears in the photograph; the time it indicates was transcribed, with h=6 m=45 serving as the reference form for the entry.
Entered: h=12 m=7
